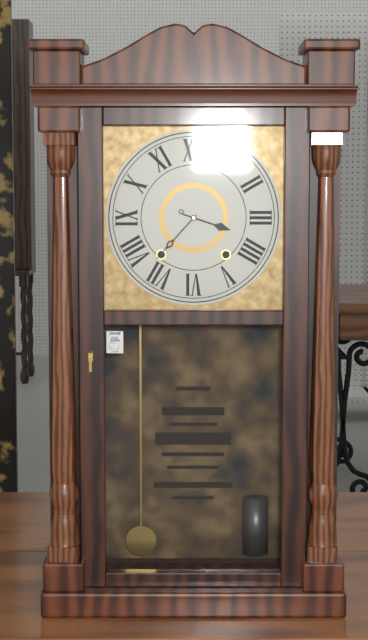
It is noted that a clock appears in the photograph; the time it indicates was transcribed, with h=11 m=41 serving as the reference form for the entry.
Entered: h=3 m=37
